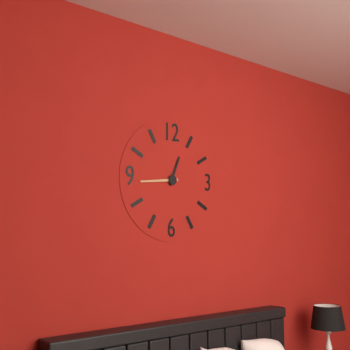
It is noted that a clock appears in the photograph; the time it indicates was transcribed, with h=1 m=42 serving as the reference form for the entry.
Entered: h=12 m=44
